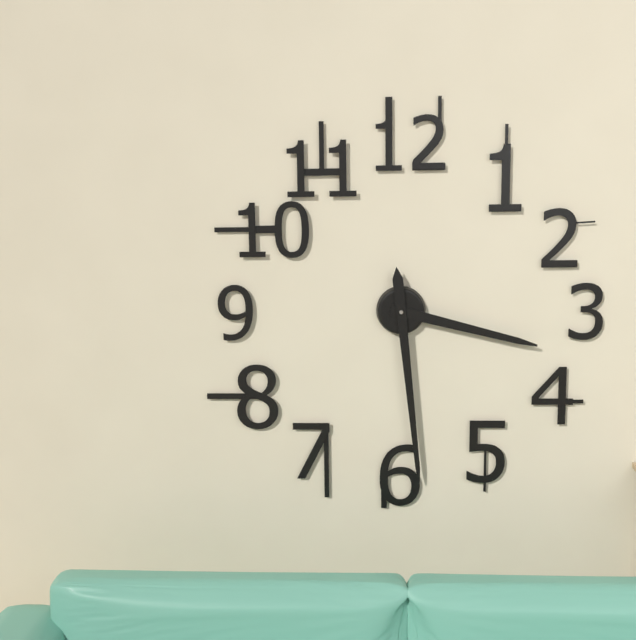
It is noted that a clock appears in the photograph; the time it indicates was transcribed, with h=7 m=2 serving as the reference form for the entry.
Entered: h=3 m=29
